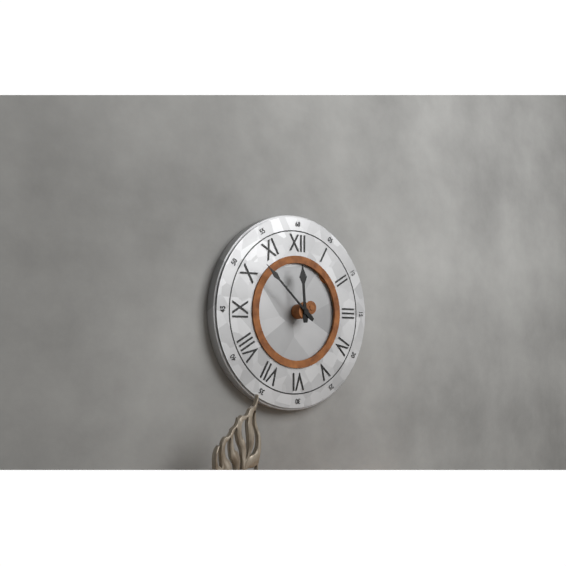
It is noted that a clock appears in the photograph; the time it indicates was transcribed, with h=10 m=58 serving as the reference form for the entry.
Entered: h=11 m=52
